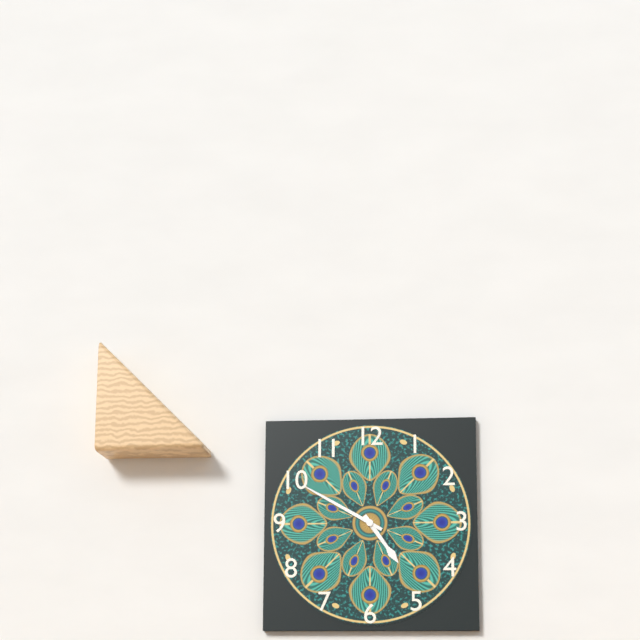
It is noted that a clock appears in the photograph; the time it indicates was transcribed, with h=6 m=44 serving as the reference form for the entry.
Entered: h=4 m=50
